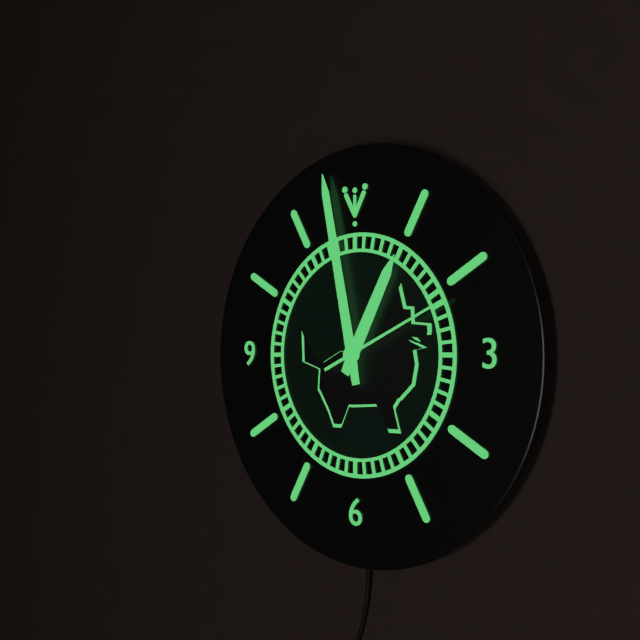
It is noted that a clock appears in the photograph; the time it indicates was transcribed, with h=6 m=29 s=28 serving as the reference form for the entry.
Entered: h=12 m=58 s=11
